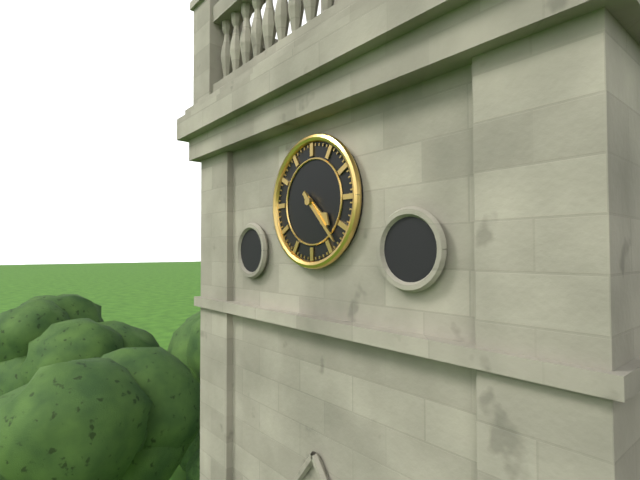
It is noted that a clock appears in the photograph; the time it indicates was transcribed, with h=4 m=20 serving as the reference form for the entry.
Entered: h=4 m=23
